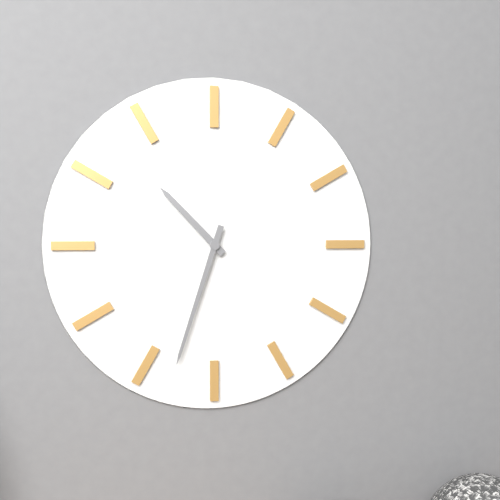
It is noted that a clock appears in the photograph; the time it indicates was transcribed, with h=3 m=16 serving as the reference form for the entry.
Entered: h=10 m=33
